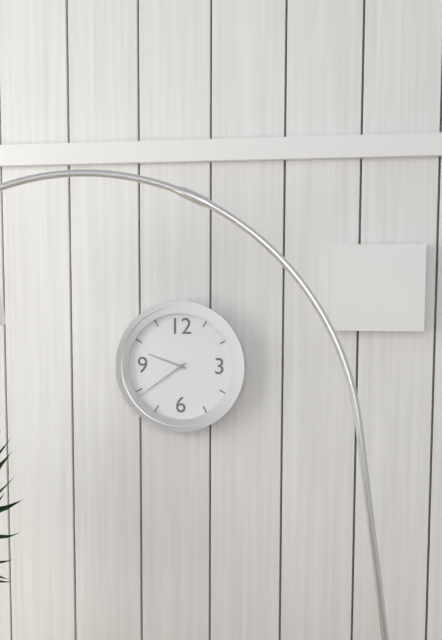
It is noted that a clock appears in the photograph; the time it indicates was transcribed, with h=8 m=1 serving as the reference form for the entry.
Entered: h=9 m=39
